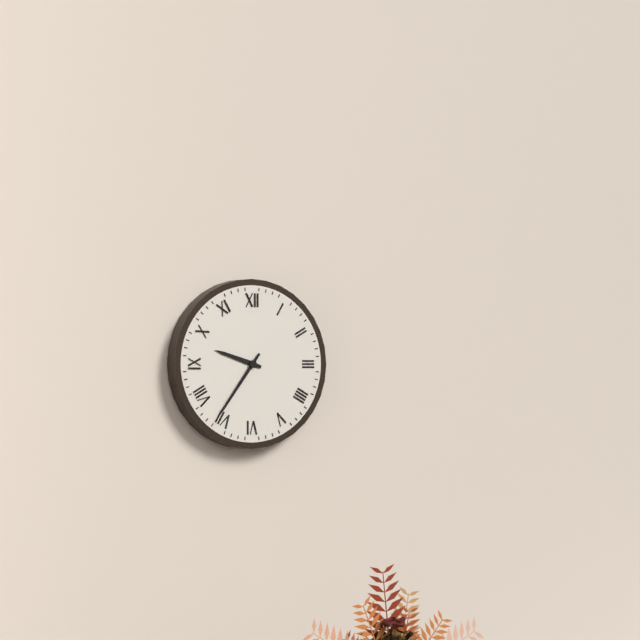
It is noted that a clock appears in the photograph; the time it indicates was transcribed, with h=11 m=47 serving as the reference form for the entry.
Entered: h=9 m=36
